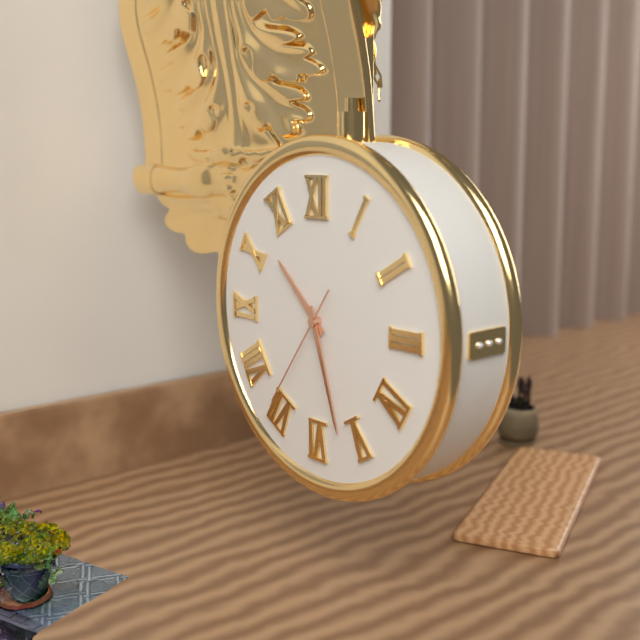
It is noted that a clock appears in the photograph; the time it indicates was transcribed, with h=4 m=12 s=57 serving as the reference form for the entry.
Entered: h=10 m=27 s=36
